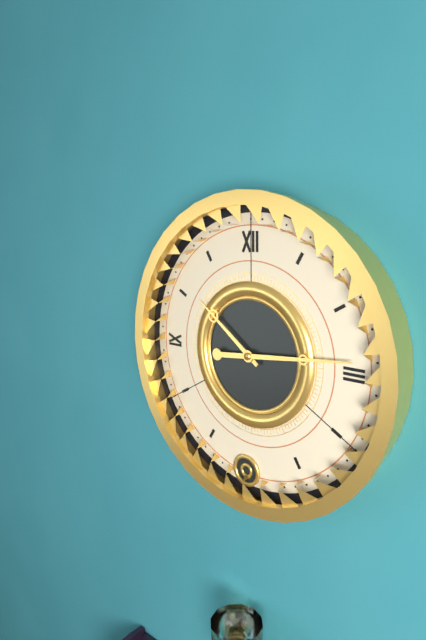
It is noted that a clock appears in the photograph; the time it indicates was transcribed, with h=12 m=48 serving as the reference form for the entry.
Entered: h=10 m=14
